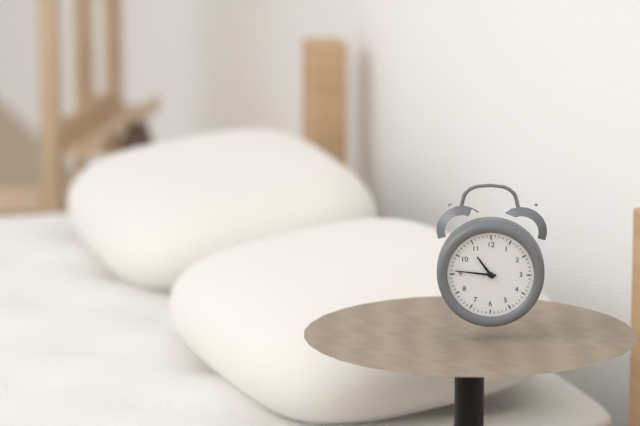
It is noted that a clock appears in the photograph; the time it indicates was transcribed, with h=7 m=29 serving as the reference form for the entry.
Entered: h=10 m=46
